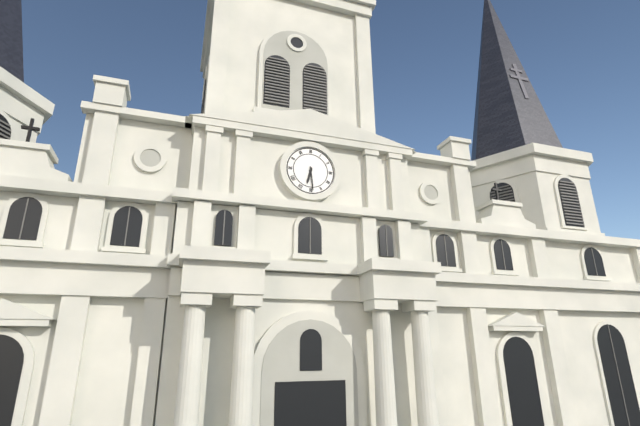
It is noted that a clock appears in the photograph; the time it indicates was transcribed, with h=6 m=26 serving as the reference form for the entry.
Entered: h=6 m=29
